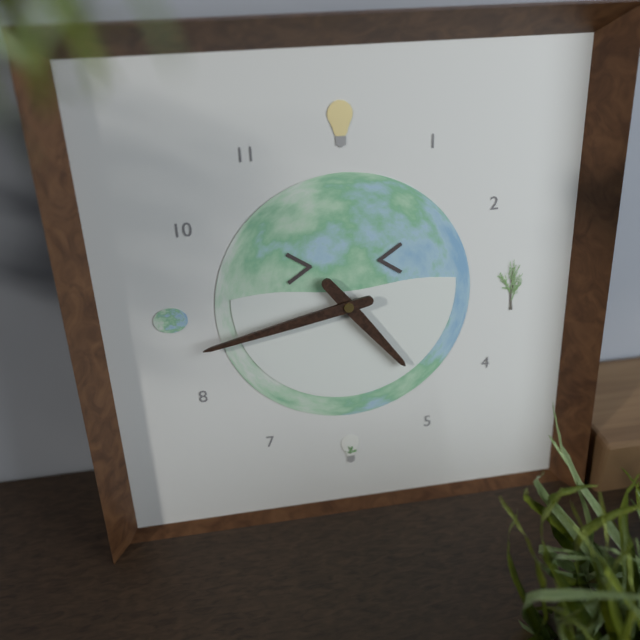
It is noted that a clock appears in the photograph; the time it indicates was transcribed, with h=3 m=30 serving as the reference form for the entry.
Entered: h=4 m=43
